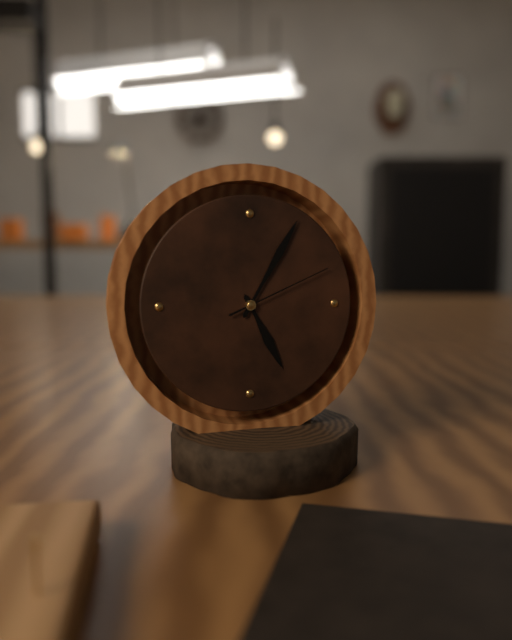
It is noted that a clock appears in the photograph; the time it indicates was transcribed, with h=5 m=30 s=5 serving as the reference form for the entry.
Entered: h=5 m=5 s=11
